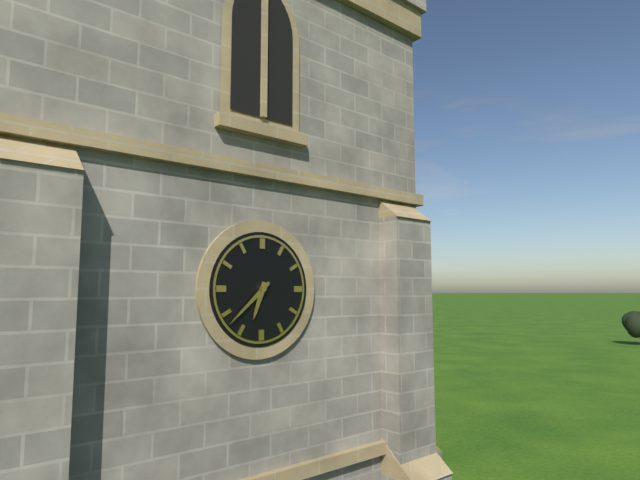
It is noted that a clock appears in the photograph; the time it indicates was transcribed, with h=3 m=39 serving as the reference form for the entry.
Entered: h=6 m=38
